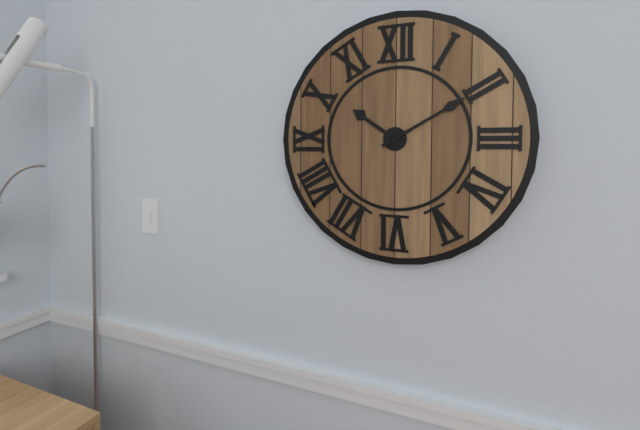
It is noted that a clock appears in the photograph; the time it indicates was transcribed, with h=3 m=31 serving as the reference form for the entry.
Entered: h=10 m=10
